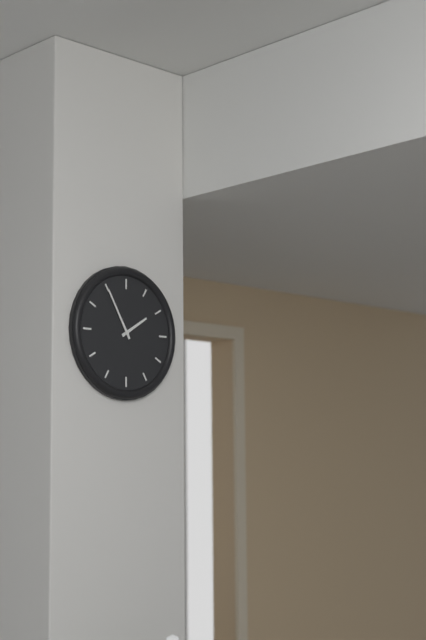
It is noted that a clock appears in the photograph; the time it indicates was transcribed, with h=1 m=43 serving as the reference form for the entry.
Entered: h=1 m=55
